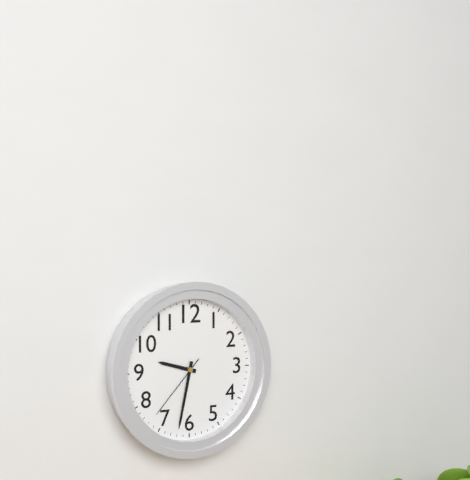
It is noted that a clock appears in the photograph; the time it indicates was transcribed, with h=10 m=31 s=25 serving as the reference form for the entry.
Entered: h=9 m=32 s=37
